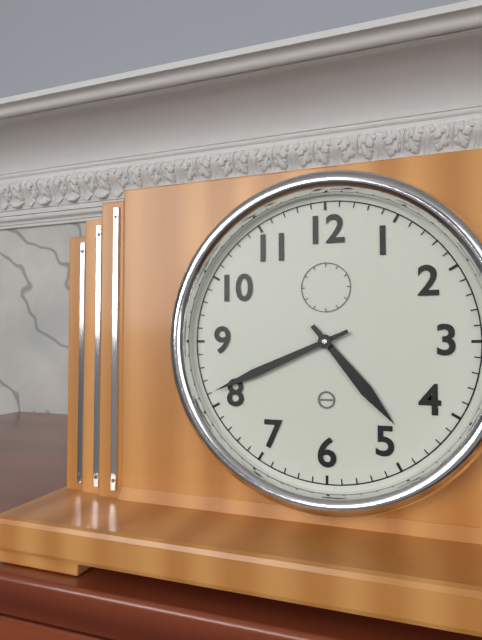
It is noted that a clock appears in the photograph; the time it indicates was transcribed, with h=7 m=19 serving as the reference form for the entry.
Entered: h=4 m=41
